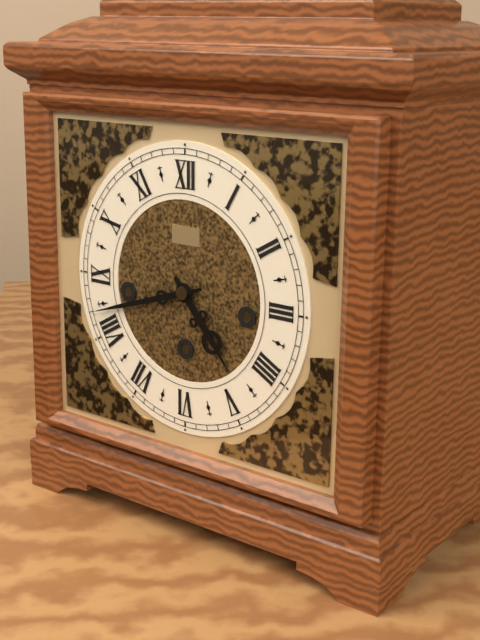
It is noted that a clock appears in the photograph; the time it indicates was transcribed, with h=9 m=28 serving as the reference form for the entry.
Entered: h=4 m=42
